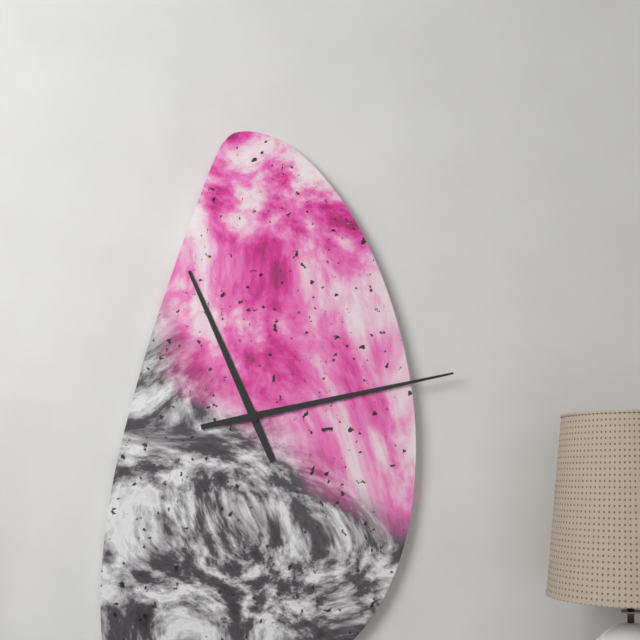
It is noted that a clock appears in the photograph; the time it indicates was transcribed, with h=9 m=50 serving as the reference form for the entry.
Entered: h=11 m=13
